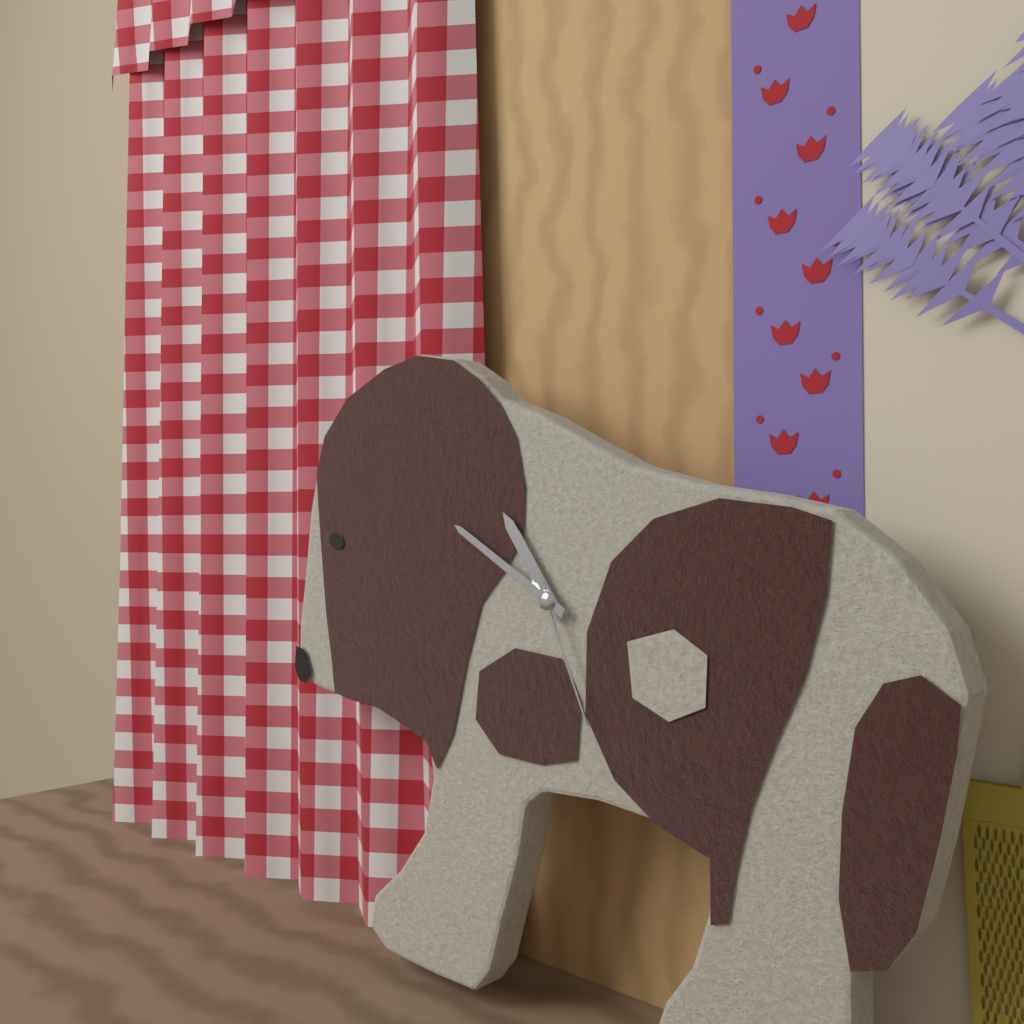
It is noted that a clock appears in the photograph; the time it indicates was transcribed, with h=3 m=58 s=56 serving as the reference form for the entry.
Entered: h=10 m=50 s=26
